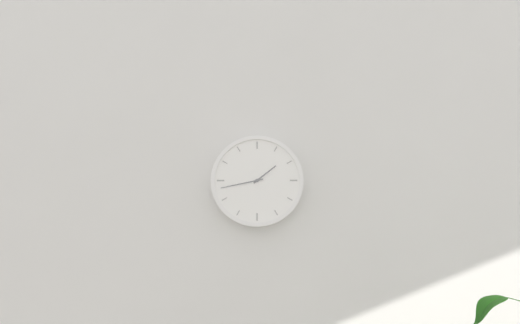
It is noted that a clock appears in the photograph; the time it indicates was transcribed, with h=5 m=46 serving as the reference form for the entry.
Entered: h=1 m=43
